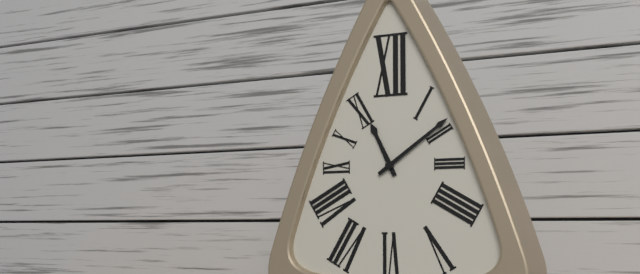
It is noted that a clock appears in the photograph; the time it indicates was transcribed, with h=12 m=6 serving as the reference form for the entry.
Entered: h=11 m=9
